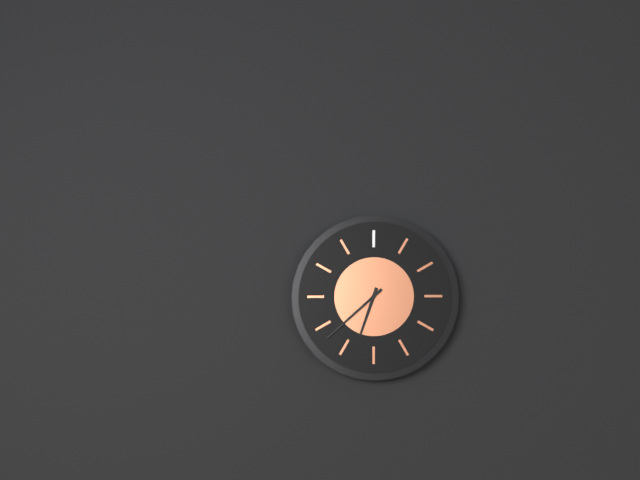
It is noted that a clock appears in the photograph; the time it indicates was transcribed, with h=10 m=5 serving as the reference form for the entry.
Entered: h=6 m=38
